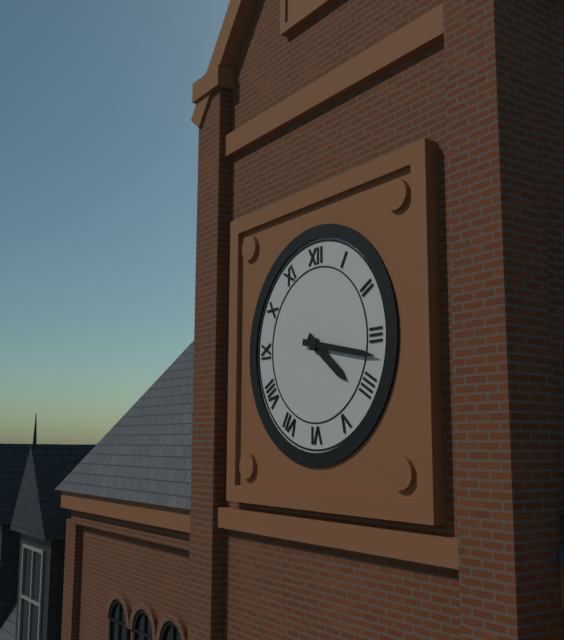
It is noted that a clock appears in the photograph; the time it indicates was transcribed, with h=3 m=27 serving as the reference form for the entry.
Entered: h=4 m=17
